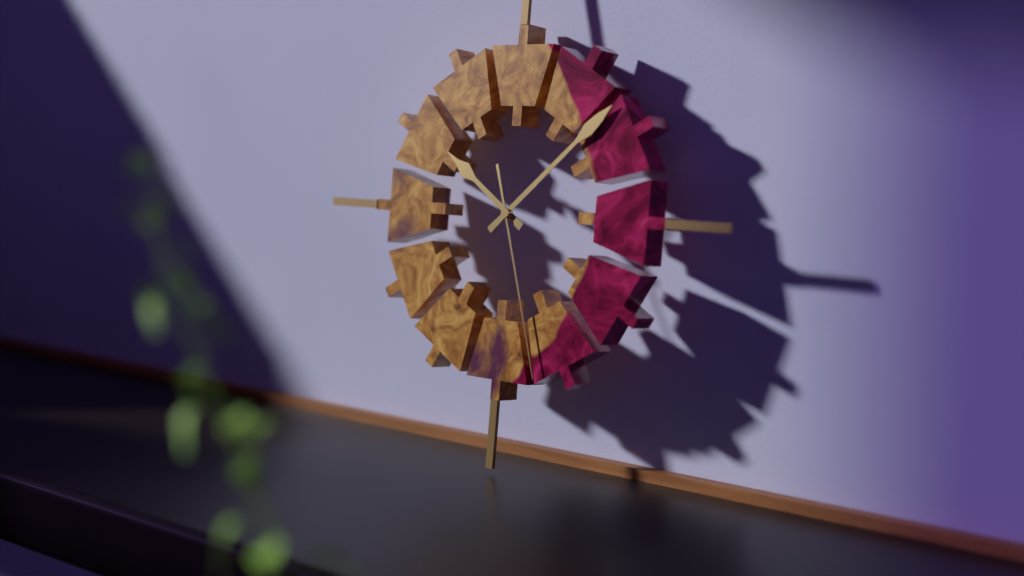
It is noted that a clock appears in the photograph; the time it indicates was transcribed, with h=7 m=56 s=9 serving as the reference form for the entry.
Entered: h=10 m=8 s=27
